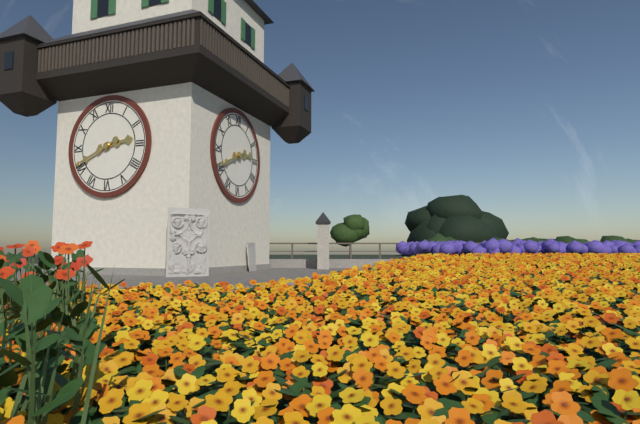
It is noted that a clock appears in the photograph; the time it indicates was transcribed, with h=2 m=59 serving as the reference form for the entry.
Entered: h=2 m=41
